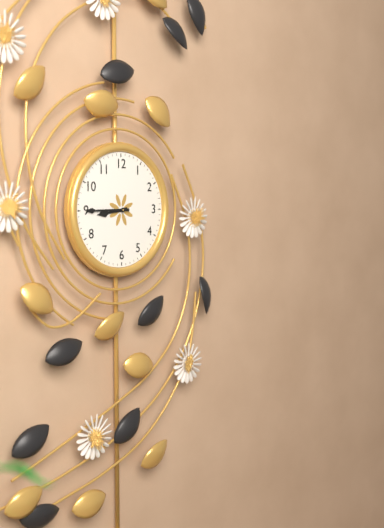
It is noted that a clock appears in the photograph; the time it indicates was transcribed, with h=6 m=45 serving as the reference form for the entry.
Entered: h=8 m=45
